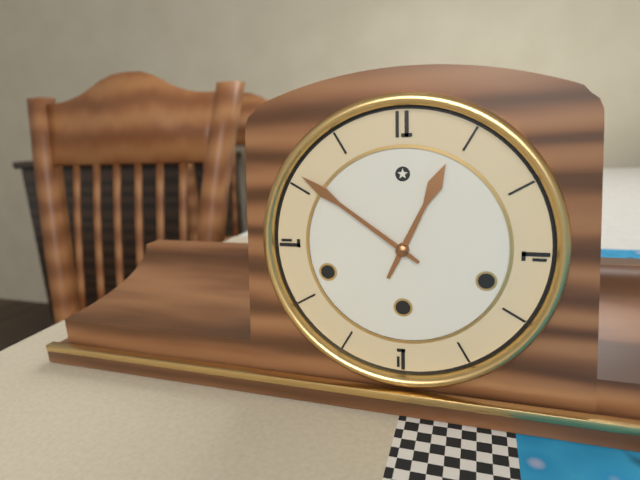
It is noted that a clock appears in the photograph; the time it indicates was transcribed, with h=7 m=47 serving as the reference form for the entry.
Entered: h=12 m=51
